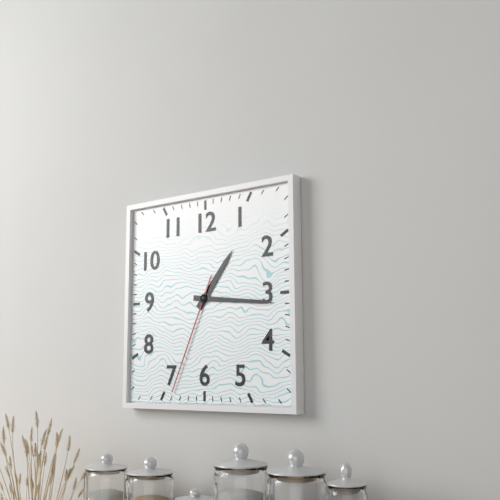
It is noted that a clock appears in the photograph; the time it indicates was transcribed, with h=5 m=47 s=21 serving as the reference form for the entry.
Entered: h=1 m=16 s=34
